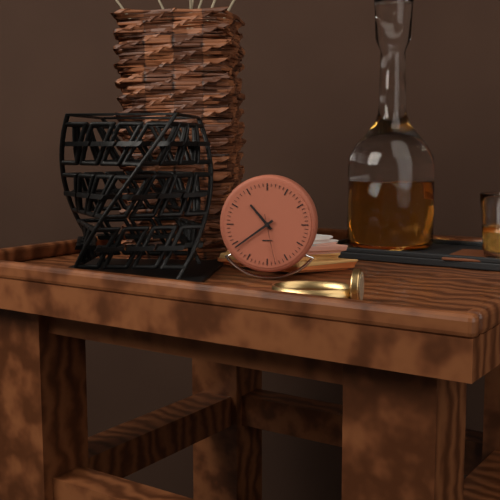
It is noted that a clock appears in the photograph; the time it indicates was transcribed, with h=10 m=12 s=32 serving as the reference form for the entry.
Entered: h=10 m=39 s=28
